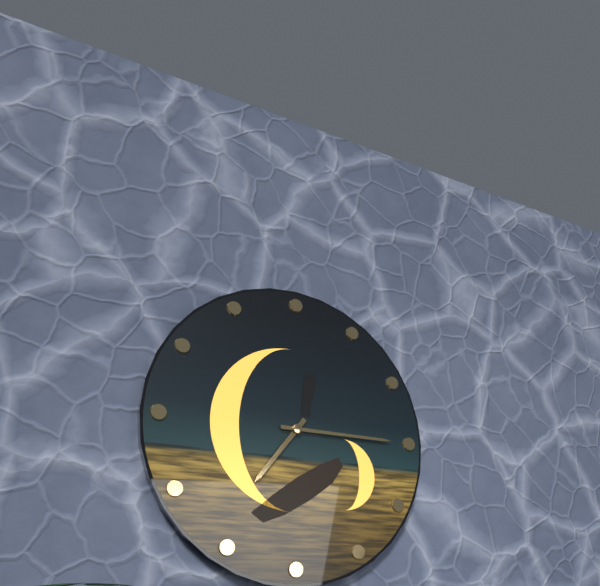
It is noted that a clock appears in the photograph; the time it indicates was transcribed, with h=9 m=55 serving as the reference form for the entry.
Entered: h=7 m=15
